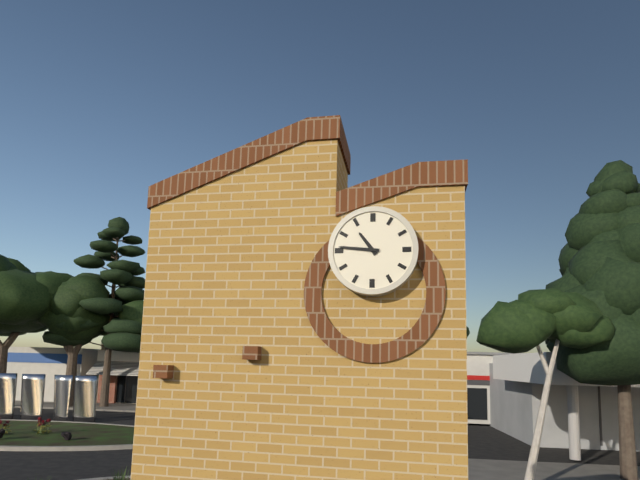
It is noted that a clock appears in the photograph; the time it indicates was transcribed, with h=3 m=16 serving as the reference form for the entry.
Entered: h=10 m=46
